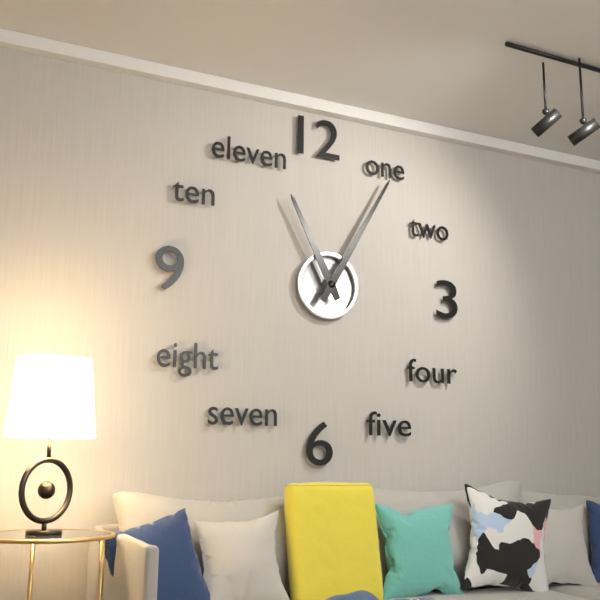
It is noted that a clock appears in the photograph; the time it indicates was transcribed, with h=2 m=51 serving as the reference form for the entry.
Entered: h=11 m=5
